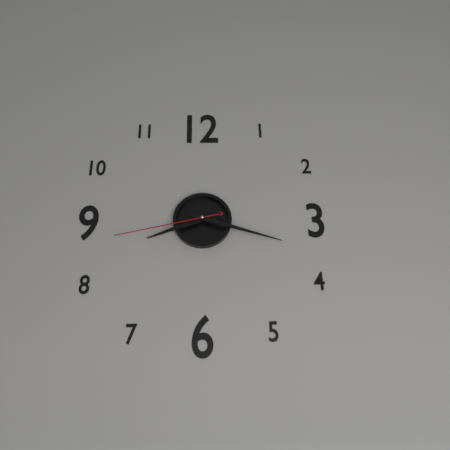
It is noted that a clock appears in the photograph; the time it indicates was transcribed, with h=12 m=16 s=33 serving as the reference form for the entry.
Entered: h=8 m=18 s=43
